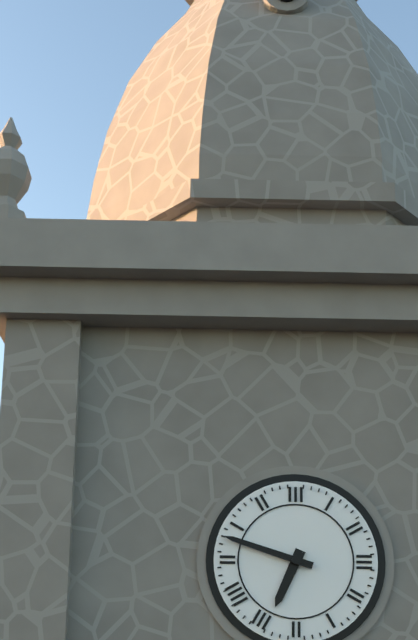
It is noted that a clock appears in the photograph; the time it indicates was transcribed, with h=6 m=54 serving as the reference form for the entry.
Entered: h=6 m=48
